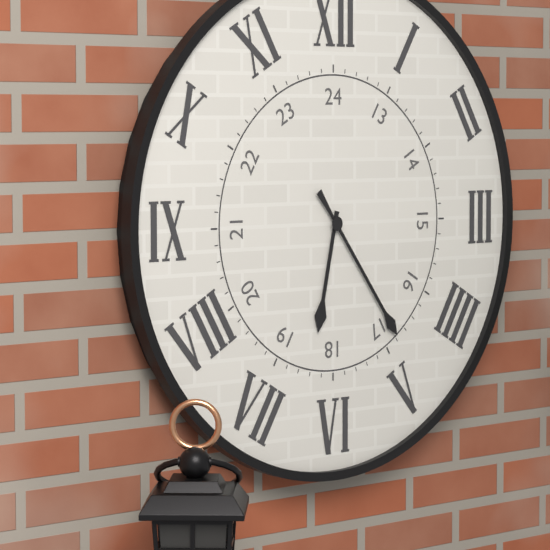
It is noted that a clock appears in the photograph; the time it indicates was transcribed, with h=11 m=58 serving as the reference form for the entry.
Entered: h=6 m=24
